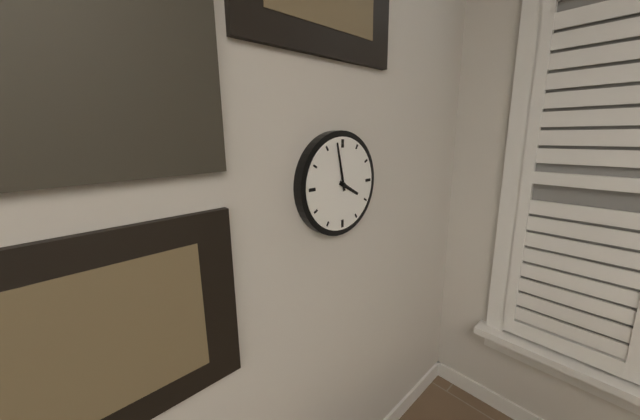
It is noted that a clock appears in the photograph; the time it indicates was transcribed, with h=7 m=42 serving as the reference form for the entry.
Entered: h=3 m=58
